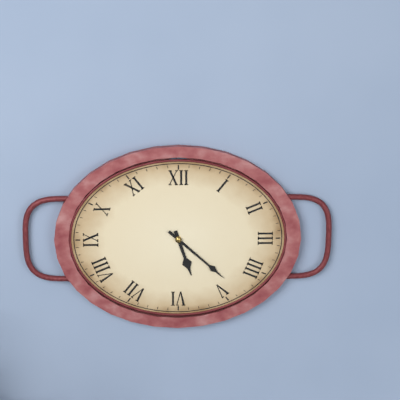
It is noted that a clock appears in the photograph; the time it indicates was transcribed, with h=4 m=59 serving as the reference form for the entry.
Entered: h=5 m=22
